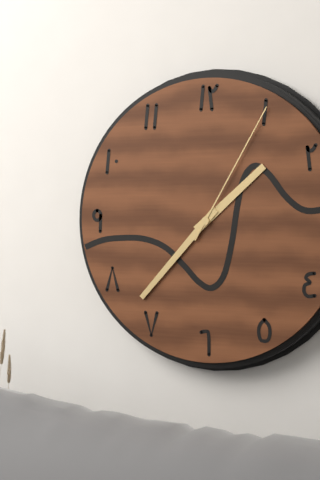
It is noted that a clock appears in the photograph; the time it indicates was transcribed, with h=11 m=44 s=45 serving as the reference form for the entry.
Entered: h=1 m=37 s=5
